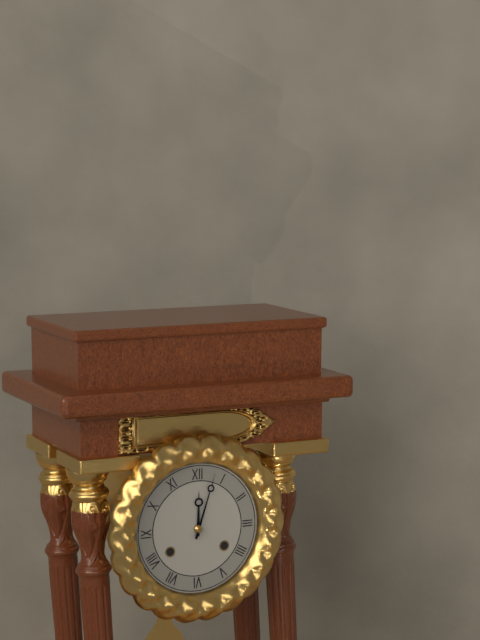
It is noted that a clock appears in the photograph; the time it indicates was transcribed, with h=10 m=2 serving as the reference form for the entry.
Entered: h=12 m=3
